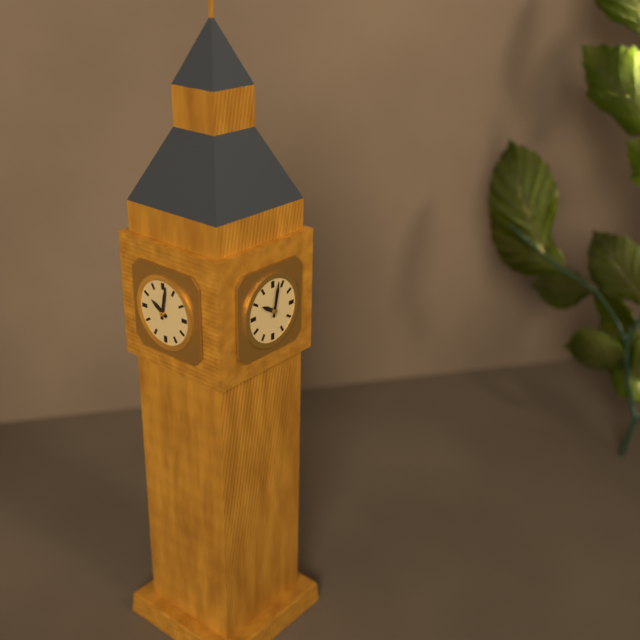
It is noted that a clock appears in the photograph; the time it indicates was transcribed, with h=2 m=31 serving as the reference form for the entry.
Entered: h=10 m=2
